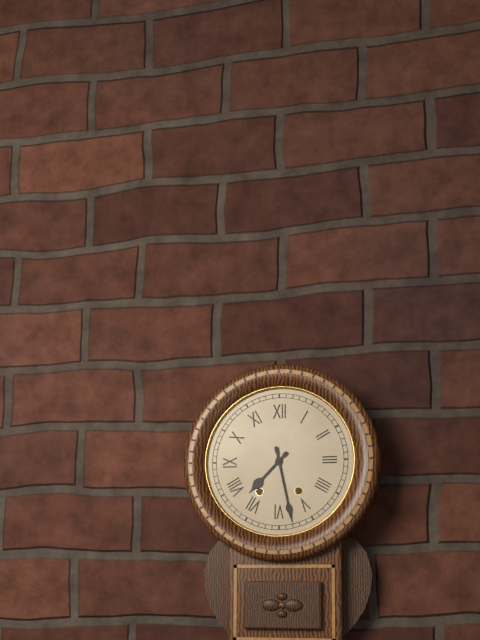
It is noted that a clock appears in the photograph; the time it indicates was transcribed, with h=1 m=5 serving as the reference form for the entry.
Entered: h=7 m=28
